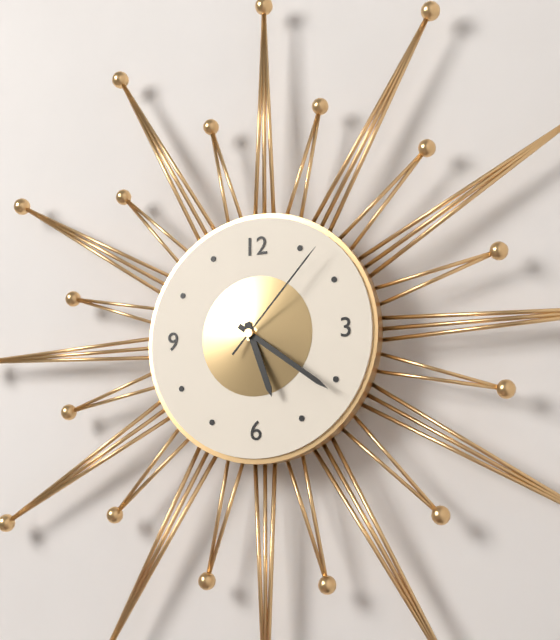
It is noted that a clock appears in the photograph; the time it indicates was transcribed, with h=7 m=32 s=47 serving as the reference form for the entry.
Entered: h=5 m=21 s=7
